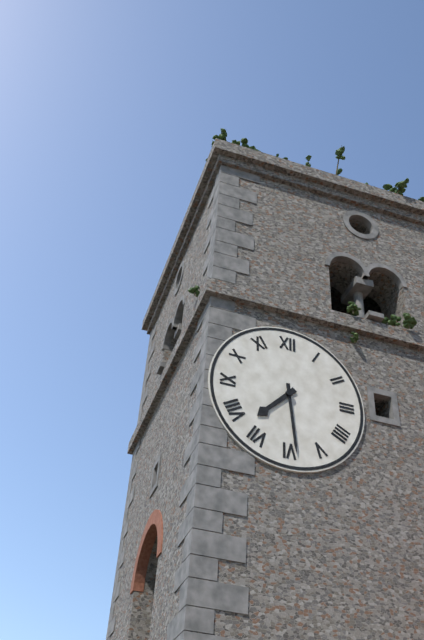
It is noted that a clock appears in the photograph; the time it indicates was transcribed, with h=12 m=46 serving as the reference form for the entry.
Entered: h=7 m=29
